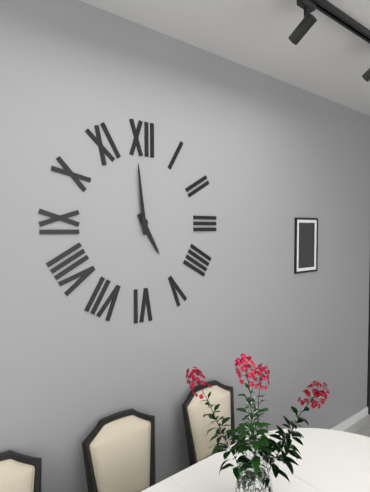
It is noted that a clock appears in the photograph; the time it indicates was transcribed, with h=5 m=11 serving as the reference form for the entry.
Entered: h=4 m=59
